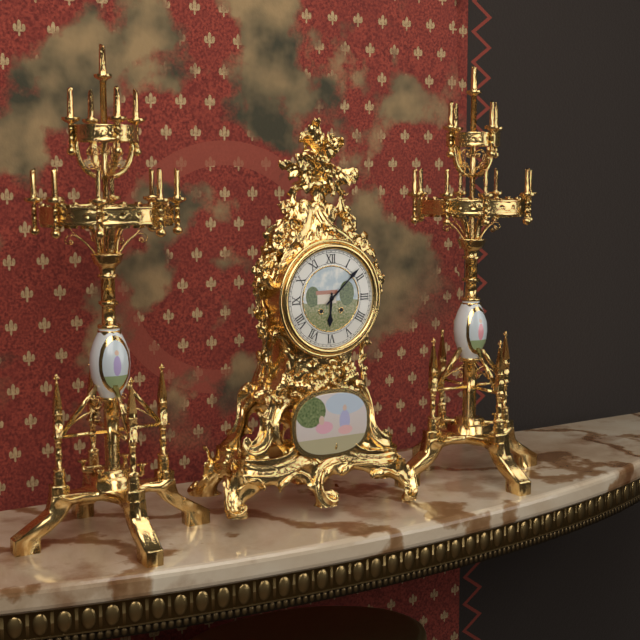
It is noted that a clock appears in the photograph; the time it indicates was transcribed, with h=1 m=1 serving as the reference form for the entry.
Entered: h=6 m=8
